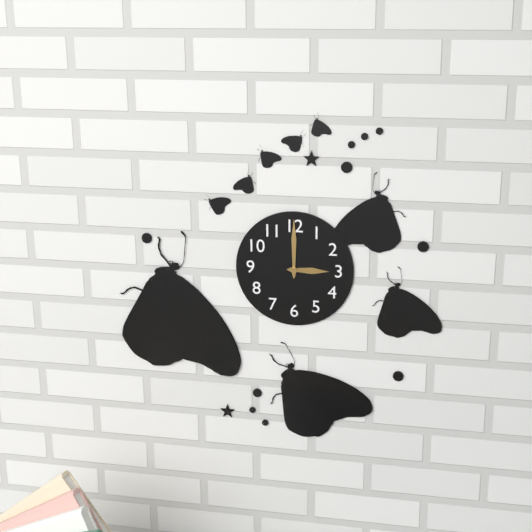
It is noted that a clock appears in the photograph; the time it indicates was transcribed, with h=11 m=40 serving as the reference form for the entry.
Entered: h=3 m=0
